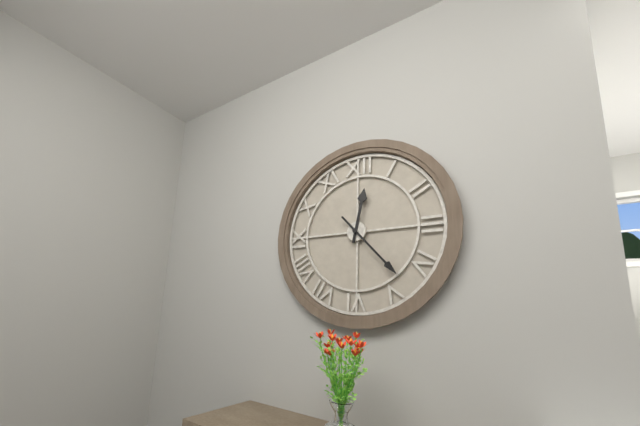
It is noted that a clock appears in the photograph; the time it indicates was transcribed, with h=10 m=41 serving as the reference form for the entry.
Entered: h=12 m=23
